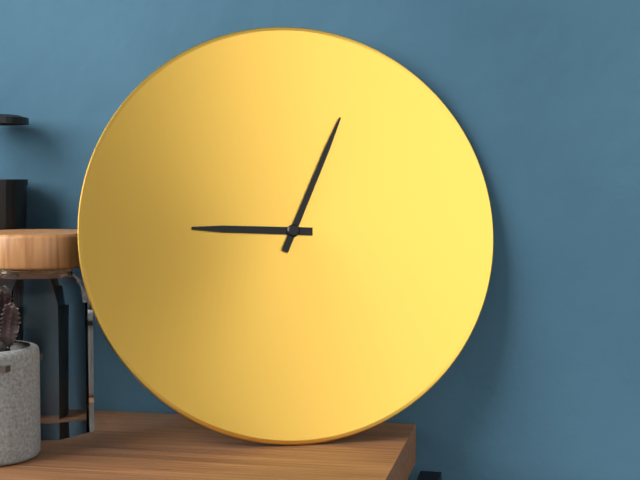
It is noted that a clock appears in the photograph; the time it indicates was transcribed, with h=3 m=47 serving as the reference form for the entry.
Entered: h=9 m=4
